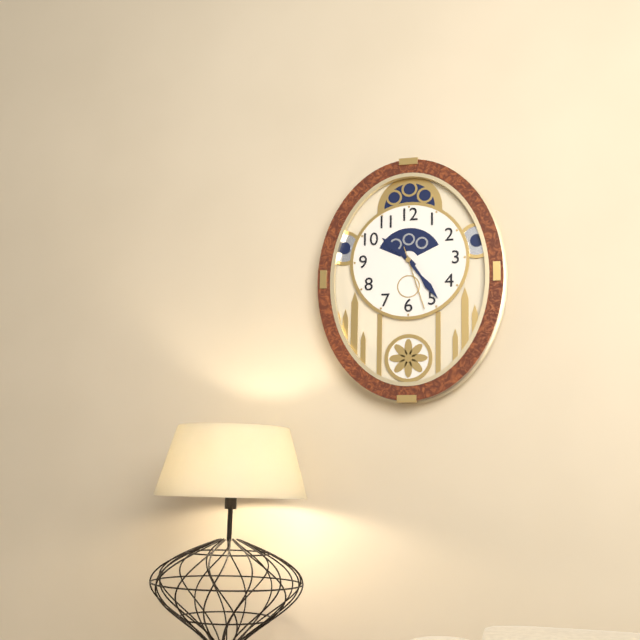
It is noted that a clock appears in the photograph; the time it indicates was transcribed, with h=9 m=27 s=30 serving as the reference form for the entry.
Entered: h=10 m=24 s=27
